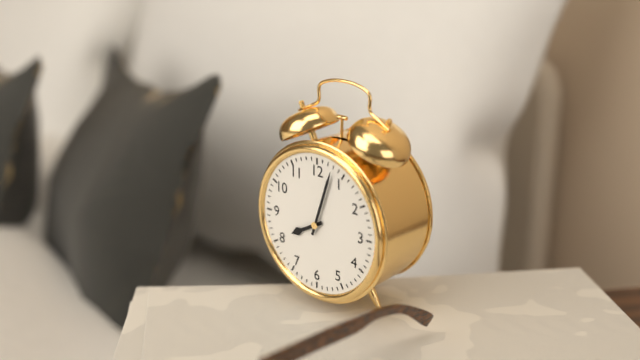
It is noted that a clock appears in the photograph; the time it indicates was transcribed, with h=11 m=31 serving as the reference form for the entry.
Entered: h=8 m=3
